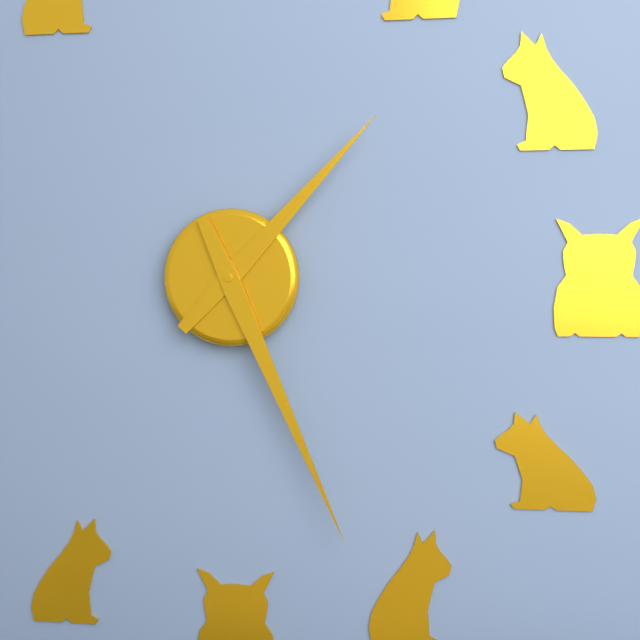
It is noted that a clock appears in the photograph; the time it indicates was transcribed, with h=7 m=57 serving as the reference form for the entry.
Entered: h=1 m=26
